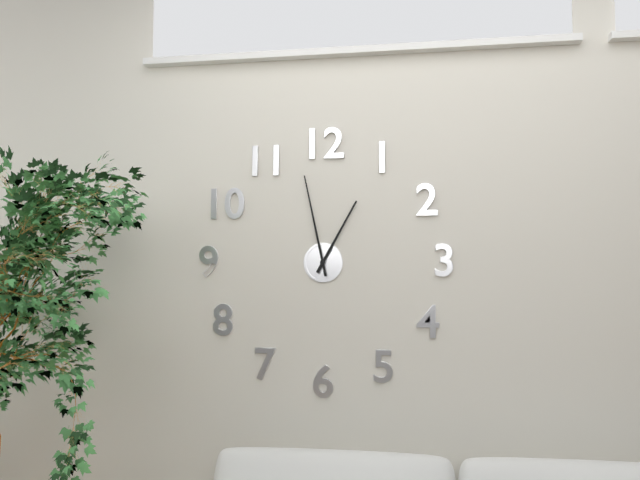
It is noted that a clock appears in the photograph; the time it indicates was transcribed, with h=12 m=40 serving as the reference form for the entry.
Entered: h=12 m=58
